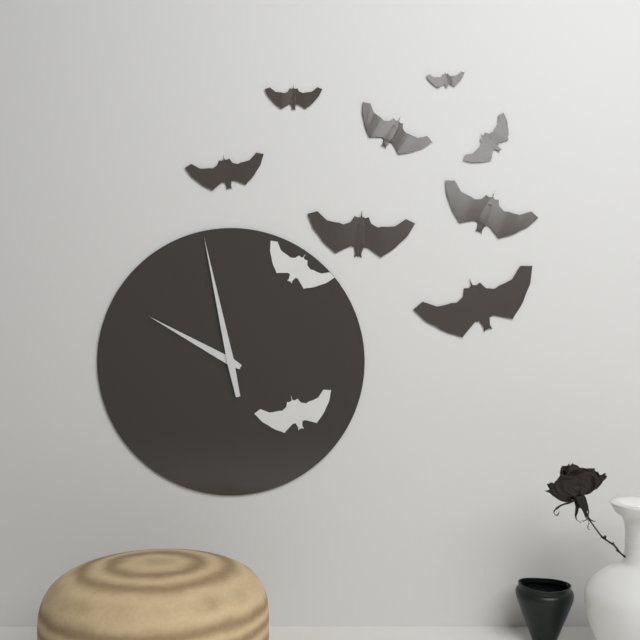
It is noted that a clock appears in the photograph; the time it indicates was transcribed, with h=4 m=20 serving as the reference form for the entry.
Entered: h=9 m=58
